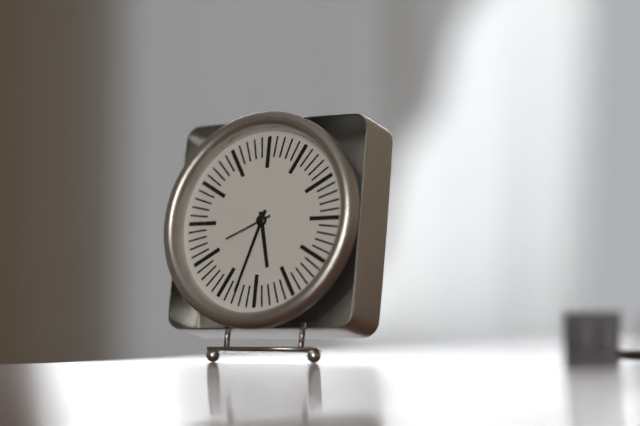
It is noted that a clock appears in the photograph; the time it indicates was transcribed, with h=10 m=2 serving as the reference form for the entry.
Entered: h=5 m=33
